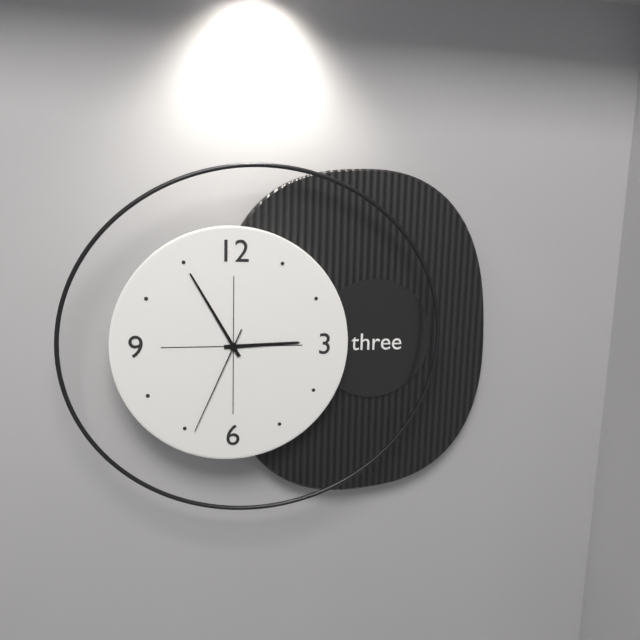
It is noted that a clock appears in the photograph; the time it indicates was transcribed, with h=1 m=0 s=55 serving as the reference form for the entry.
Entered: h=2 m=55 s=34
